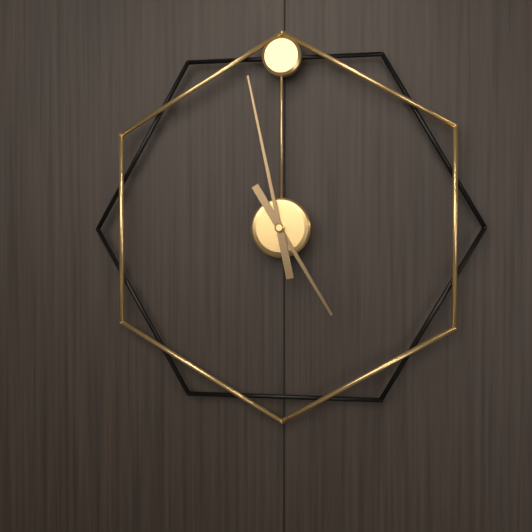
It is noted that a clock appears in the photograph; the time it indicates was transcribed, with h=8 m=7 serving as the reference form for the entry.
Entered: h=4 m=58
